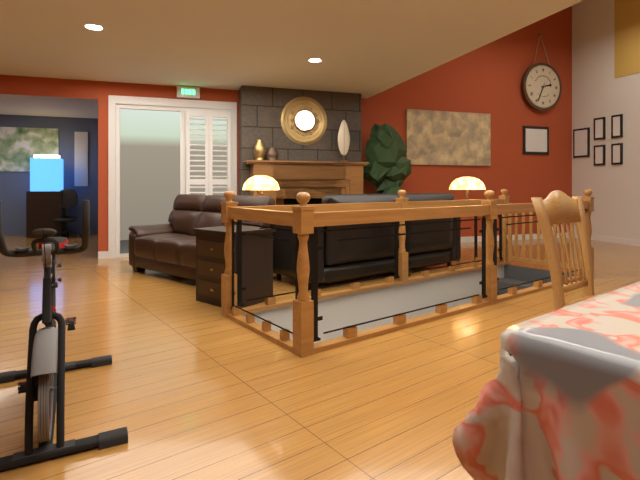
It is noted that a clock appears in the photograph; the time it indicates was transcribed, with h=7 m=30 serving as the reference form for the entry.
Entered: h=2 m=34
